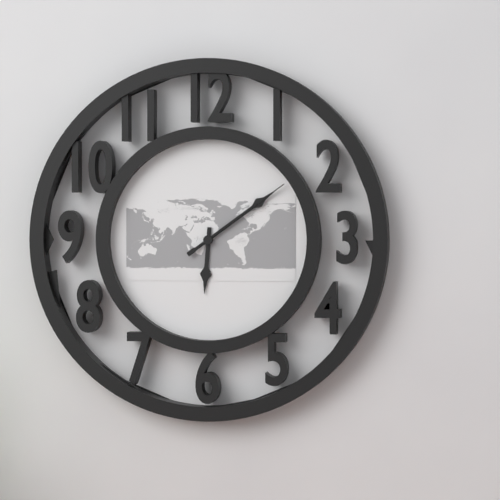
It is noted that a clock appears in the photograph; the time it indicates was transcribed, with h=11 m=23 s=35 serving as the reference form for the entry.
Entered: h=6 m=9 s=9
